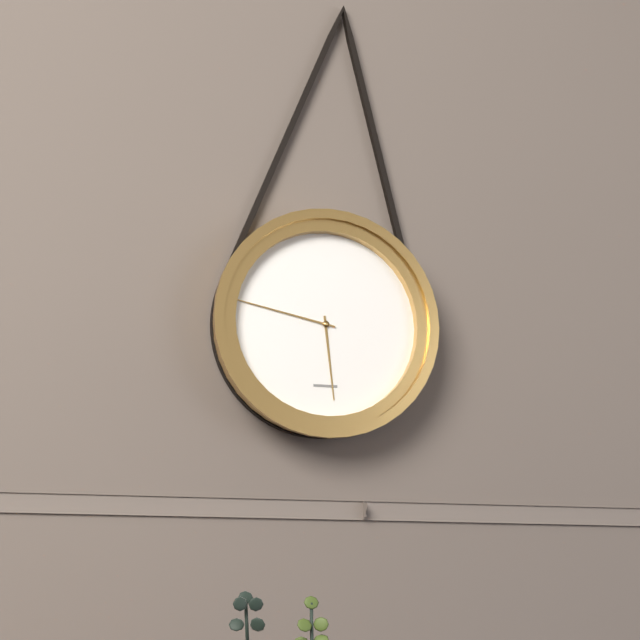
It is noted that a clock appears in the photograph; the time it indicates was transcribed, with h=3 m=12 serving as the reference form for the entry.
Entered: h=5 m=47
